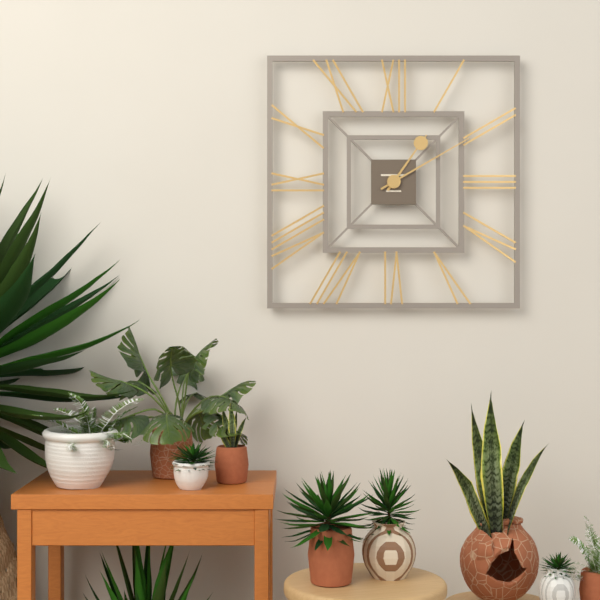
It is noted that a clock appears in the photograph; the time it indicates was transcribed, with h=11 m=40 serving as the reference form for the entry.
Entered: h=1 m=10
